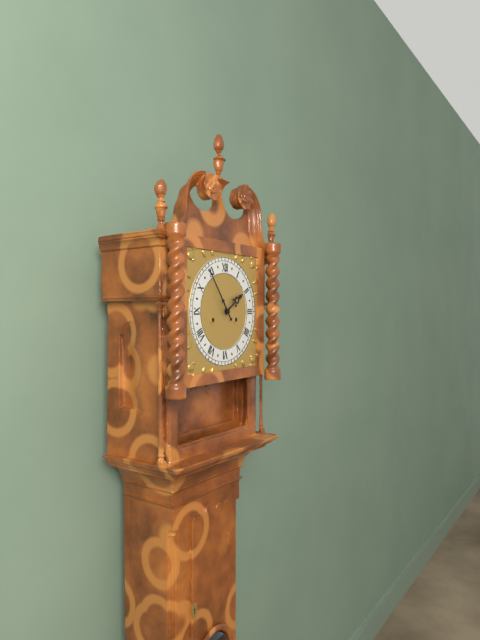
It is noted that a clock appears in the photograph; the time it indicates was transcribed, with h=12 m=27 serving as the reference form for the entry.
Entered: h=1 m=54
